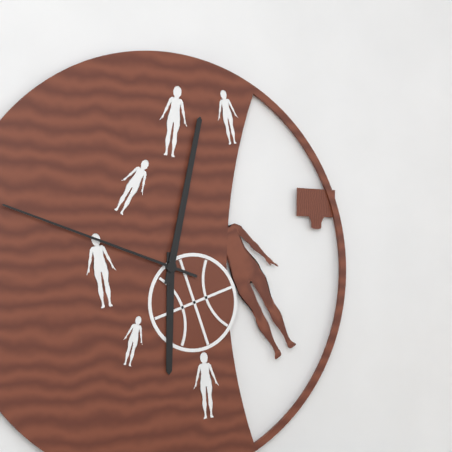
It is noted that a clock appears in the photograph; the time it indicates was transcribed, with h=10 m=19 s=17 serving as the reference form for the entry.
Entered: h=6 m=2 s=48
